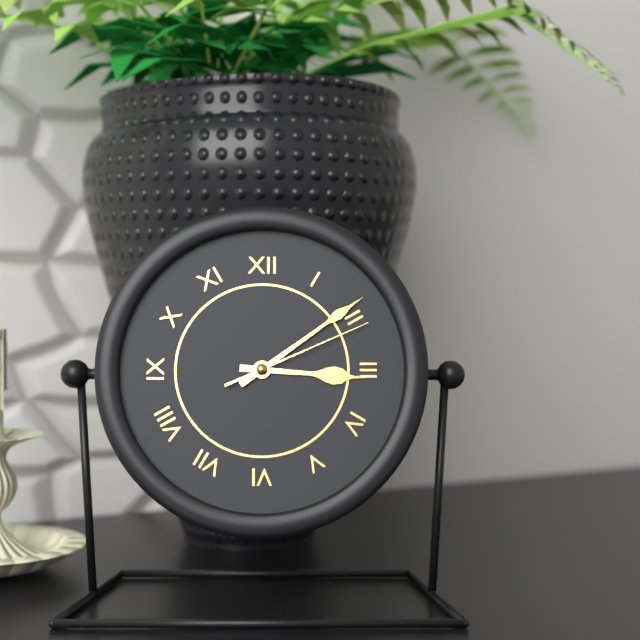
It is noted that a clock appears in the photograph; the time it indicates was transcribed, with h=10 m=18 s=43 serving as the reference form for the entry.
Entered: h=3 m=9 s=11
